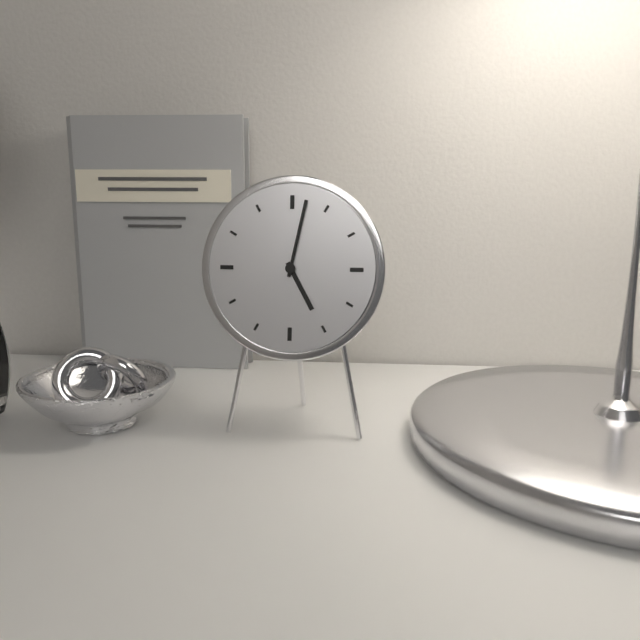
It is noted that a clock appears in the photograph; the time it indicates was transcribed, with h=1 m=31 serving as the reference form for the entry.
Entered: h=5 m=2
